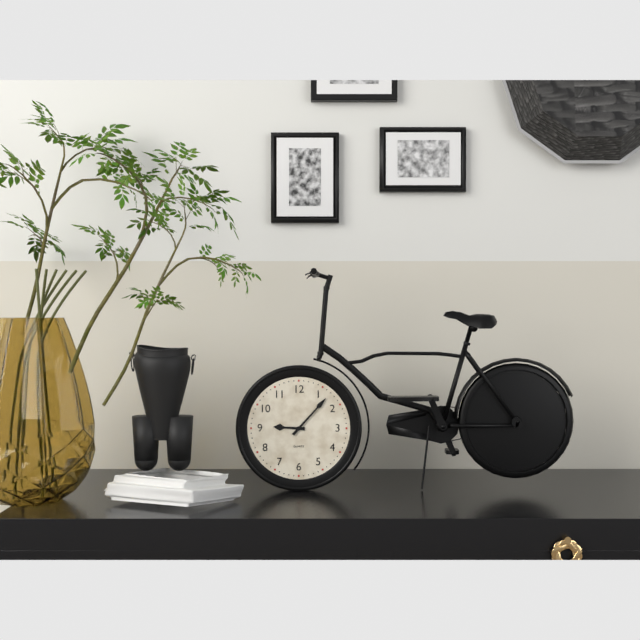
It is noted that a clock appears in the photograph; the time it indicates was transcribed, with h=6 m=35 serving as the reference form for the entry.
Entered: h=9 m=7
